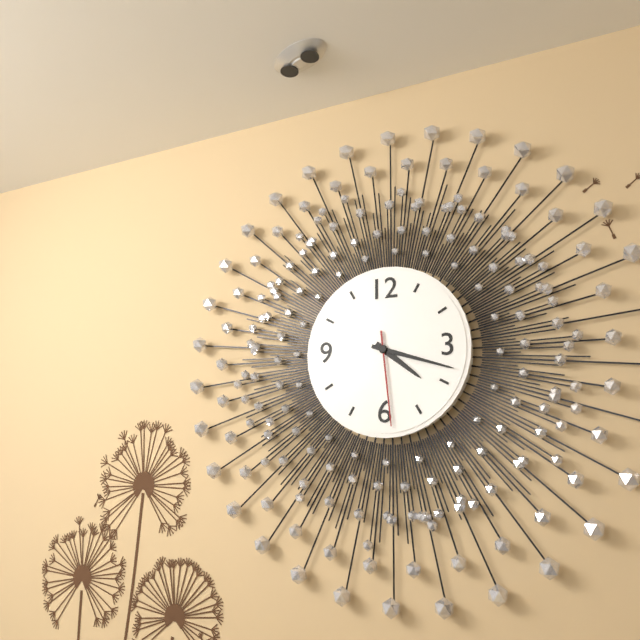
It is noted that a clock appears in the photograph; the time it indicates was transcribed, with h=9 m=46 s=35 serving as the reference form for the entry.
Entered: h=4 m=18 s=29
